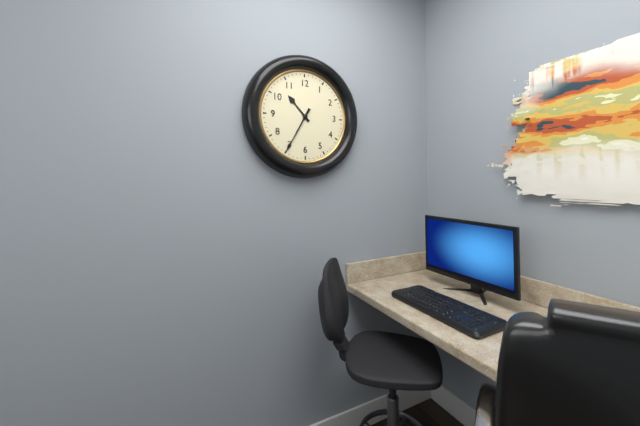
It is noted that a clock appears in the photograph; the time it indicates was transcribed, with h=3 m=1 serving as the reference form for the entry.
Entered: h=10 m=35
